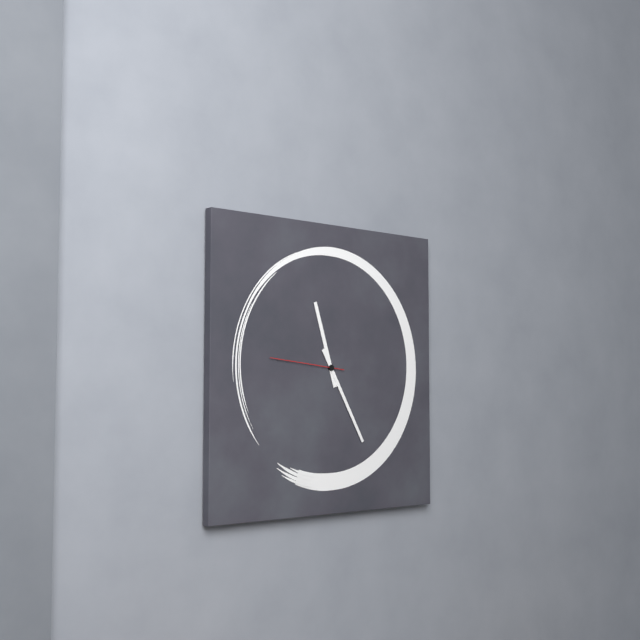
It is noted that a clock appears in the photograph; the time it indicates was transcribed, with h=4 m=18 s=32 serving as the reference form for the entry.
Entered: h=11 m=25 s=46
